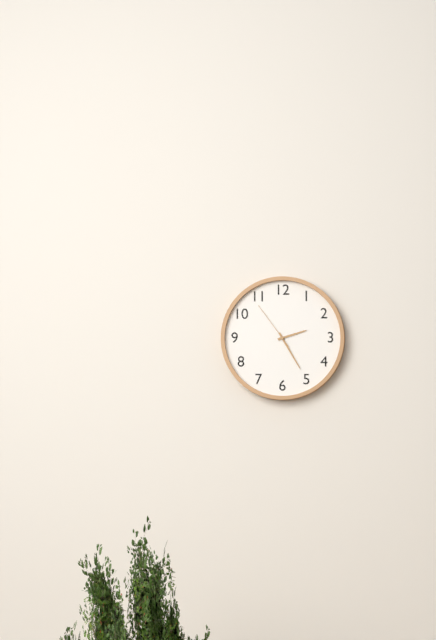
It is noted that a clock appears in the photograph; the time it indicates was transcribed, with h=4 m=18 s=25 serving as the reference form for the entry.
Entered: h=2 m=25 s=54
